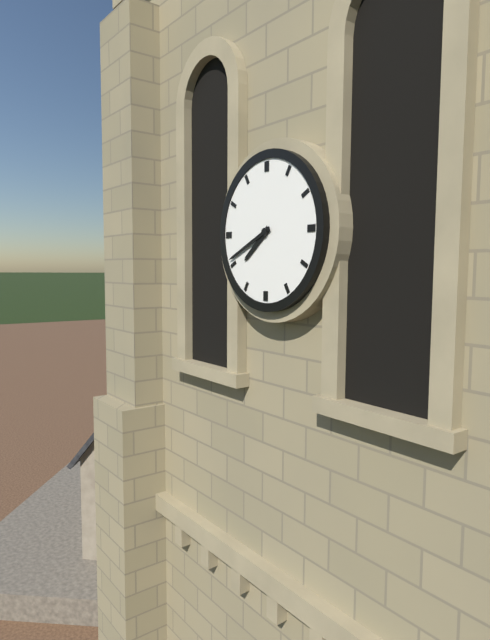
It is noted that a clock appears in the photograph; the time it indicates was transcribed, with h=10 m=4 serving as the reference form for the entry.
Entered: h=7 m=41
